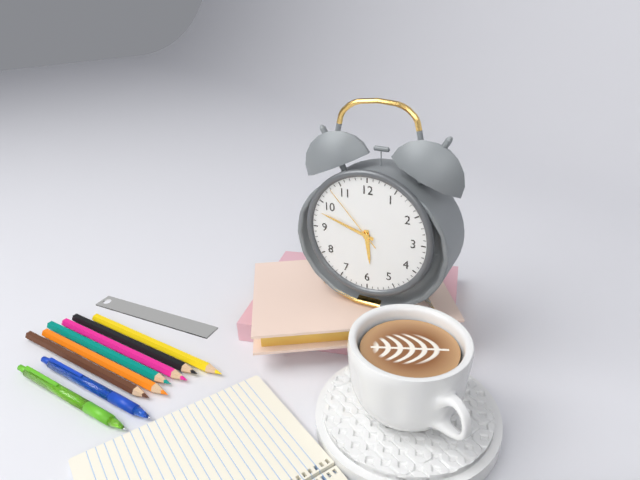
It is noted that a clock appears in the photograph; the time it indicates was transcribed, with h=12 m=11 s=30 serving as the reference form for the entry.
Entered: h=5 m=48 s=53
